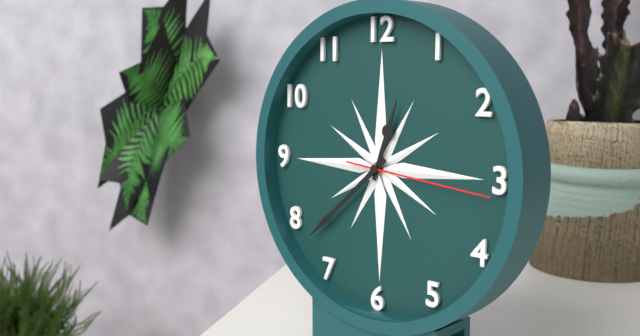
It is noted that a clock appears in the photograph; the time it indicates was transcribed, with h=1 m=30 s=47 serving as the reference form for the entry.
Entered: h=12 m=38 s=16
